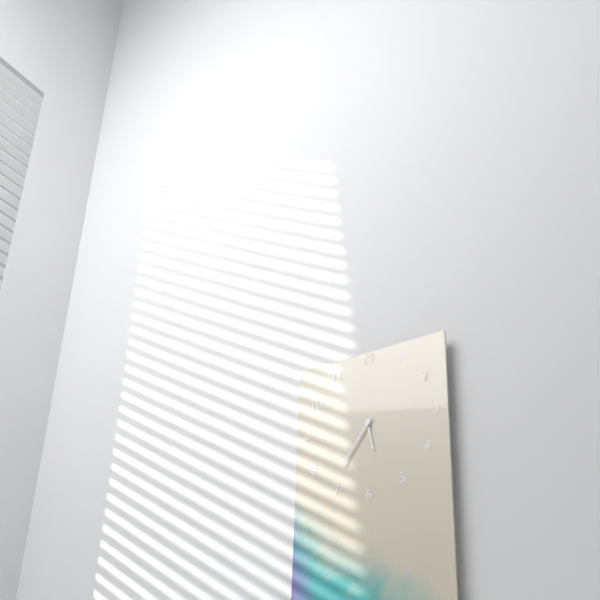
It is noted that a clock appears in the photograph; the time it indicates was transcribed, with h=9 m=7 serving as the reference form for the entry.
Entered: h=5 m=36
